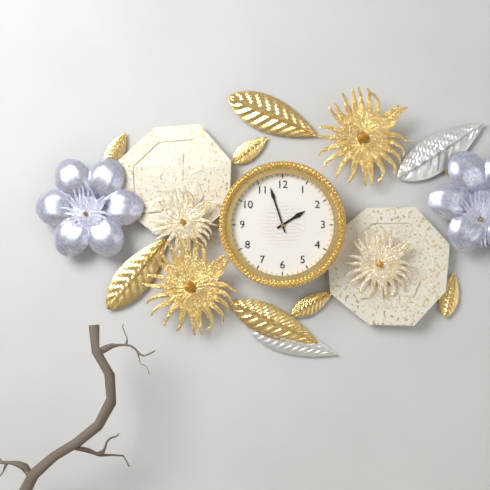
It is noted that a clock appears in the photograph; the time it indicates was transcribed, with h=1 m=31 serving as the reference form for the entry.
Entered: h=1 m=57
